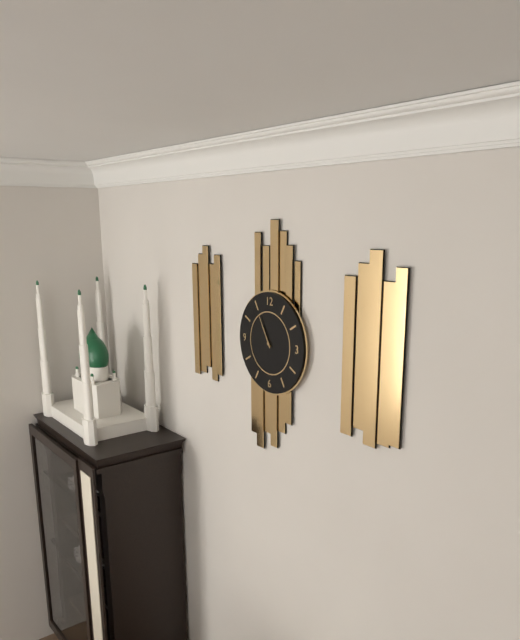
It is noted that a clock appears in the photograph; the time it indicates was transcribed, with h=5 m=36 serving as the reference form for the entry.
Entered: h=10 m=55
